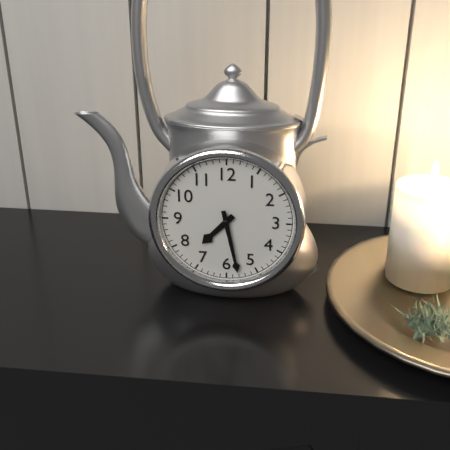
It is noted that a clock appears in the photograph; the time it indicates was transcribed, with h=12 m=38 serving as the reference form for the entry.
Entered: h=7 m=28
